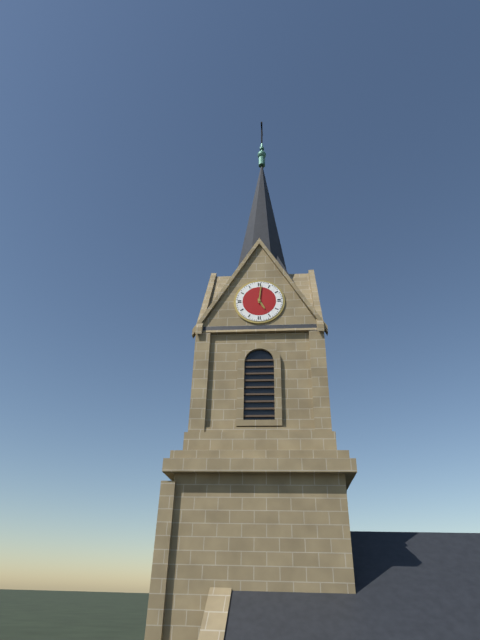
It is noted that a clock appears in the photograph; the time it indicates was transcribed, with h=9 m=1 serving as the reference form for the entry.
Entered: h=5 m=1
